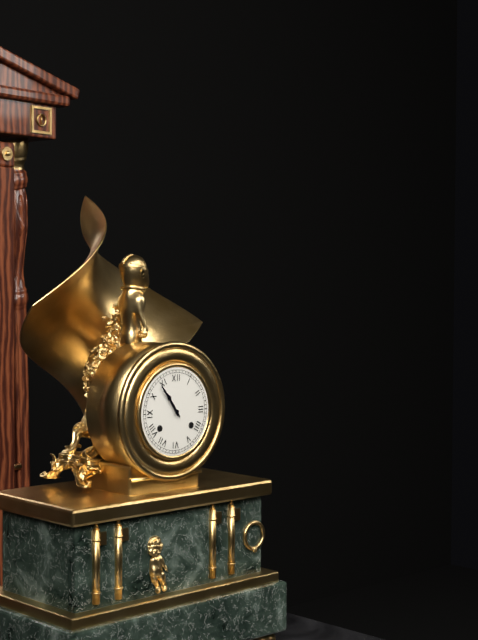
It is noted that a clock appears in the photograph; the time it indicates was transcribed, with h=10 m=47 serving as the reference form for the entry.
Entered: h=10 m=54
